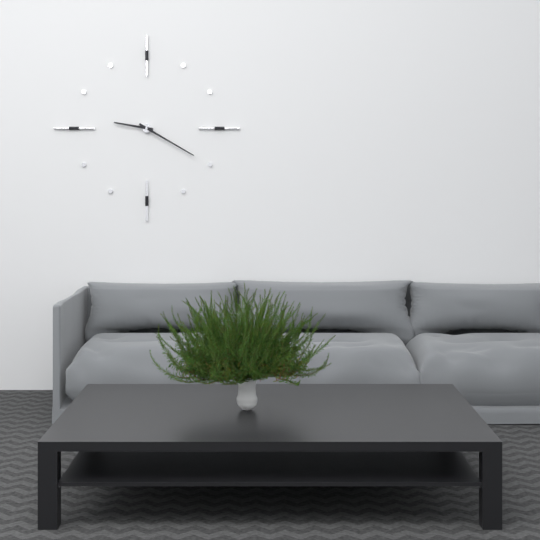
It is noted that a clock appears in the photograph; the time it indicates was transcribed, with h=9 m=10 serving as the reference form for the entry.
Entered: h=9 m=20
